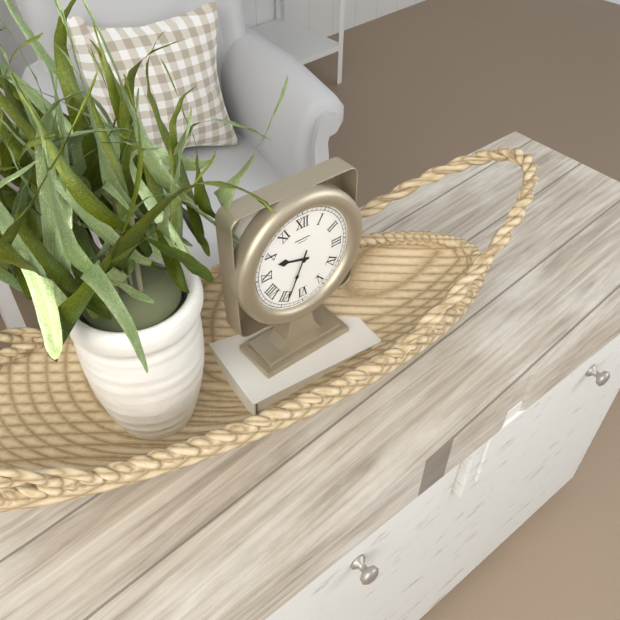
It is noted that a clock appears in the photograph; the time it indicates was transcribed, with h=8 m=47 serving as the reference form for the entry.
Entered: h=9 m=34
